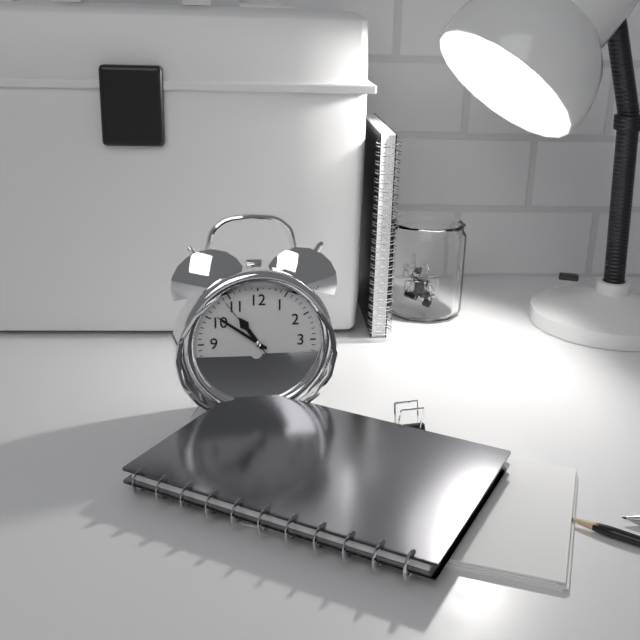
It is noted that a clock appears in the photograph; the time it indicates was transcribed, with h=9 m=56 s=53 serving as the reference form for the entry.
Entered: h=10 m=51 s=54
